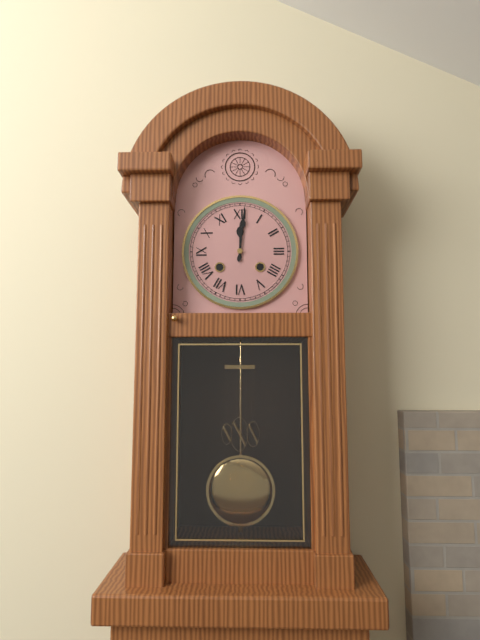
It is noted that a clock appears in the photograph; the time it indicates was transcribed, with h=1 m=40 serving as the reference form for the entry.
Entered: h=12 m=1
